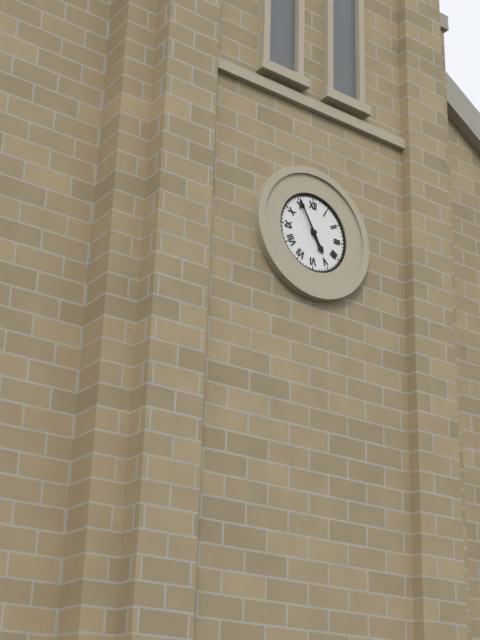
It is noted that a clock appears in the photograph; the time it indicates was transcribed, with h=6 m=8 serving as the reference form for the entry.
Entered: h=4 m=55
